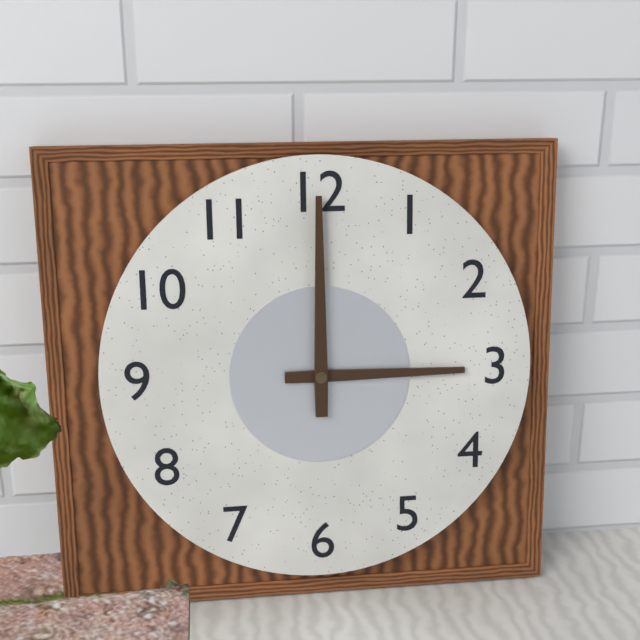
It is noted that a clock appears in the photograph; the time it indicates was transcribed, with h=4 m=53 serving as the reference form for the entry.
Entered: h=3 m=0
